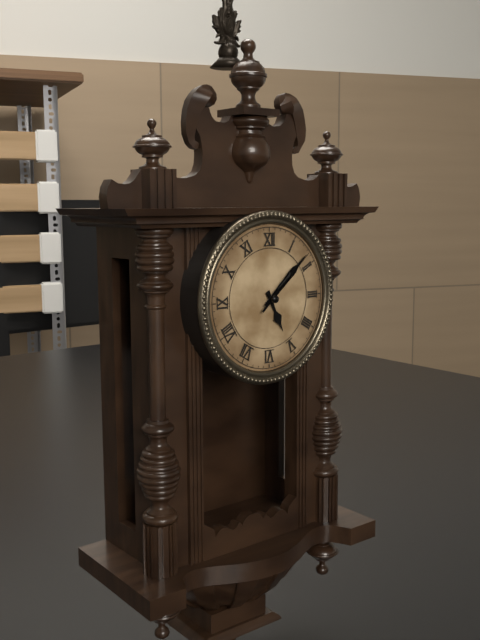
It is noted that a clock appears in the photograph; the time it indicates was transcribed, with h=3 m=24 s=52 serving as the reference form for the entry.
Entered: h=5 m=8 s=8
